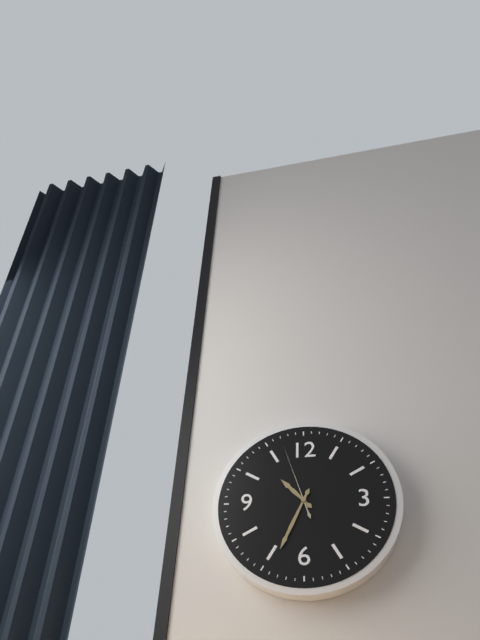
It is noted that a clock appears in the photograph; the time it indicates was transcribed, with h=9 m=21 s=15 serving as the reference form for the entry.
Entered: h=10 m=34 s=57
